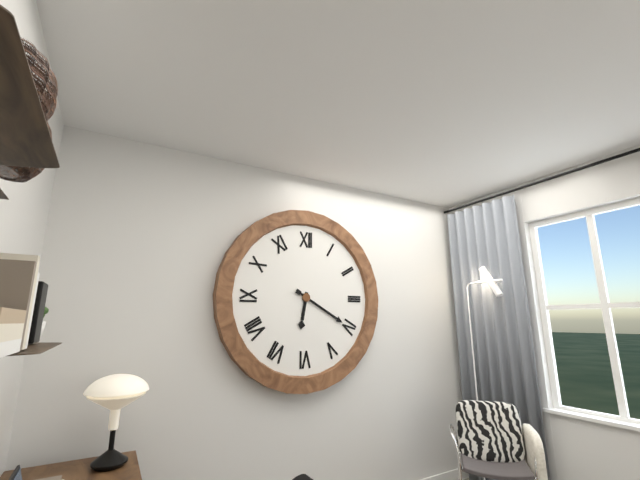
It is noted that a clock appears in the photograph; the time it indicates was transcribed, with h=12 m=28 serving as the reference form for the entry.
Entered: h=6 m=20
